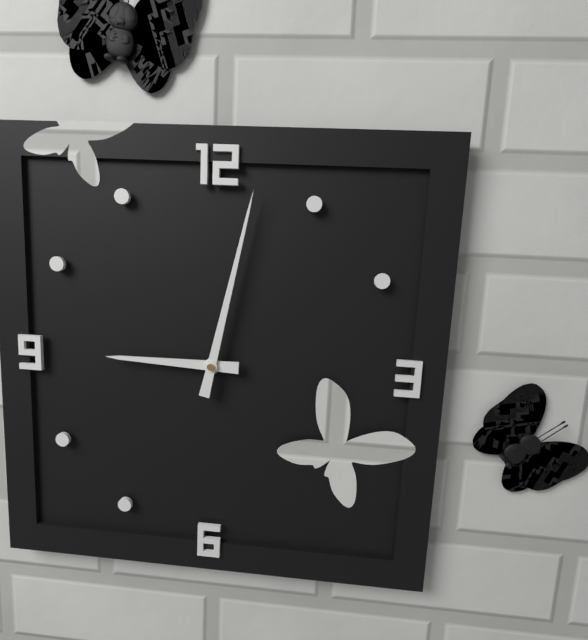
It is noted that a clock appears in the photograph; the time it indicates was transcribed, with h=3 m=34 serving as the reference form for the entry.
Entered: h=9 m=2
